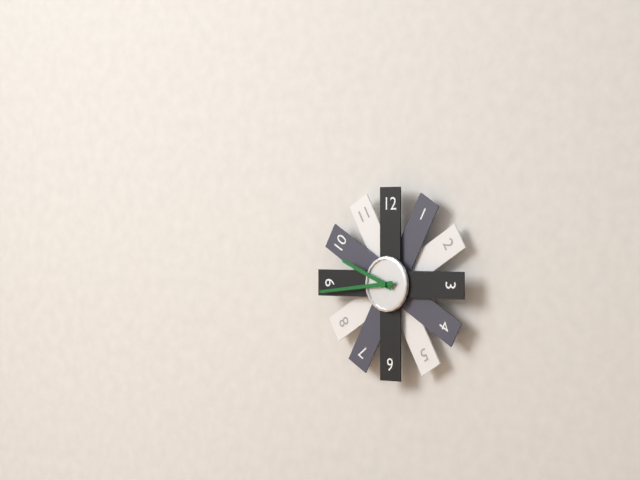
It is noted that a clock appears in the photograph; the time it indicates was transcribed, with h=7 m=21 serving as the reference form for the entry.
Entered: h=9 m=44
